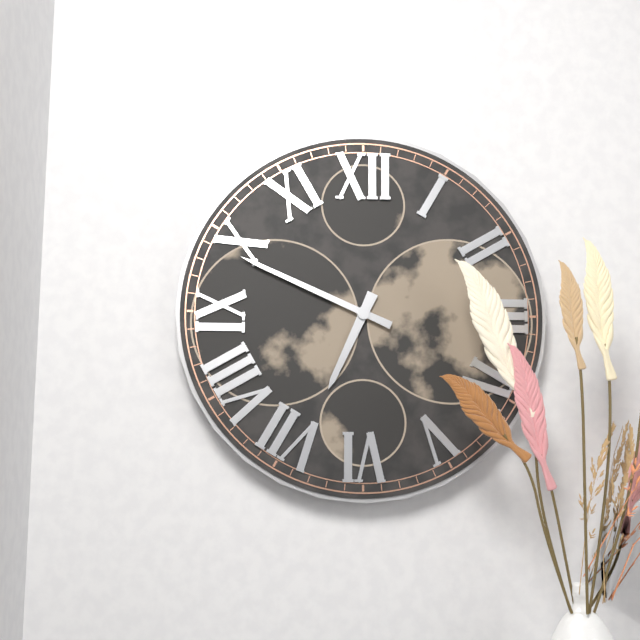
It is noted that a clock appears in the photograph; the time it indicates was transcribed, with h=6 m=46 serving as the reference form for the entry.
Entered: h=6 m=49
